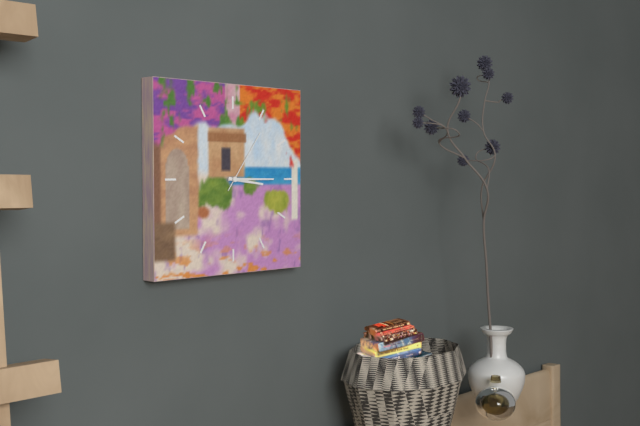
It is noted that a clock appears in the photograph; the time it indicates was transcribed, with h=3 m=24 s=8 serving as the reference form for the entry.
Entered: h=3 m=15 s=6
